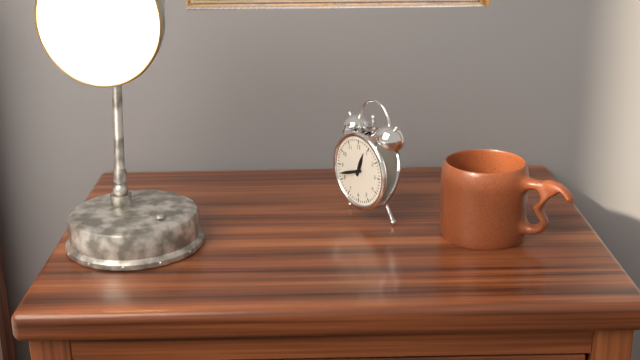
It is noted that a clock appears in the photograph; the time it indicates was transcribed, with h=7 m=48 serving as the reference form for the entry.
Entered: h=12 m=42
